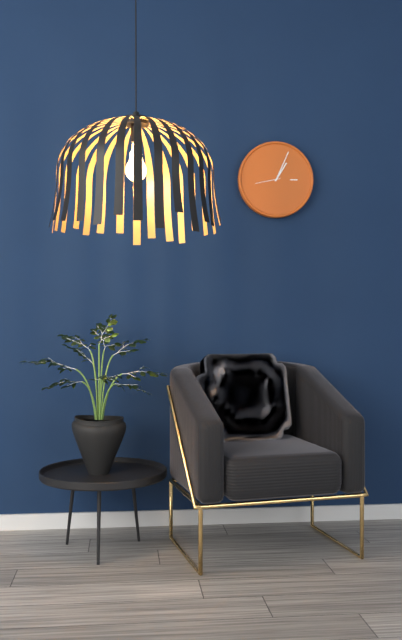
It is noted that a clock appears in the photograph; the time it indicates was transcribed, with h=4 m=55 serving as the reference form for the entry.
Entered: h=1 m=4
